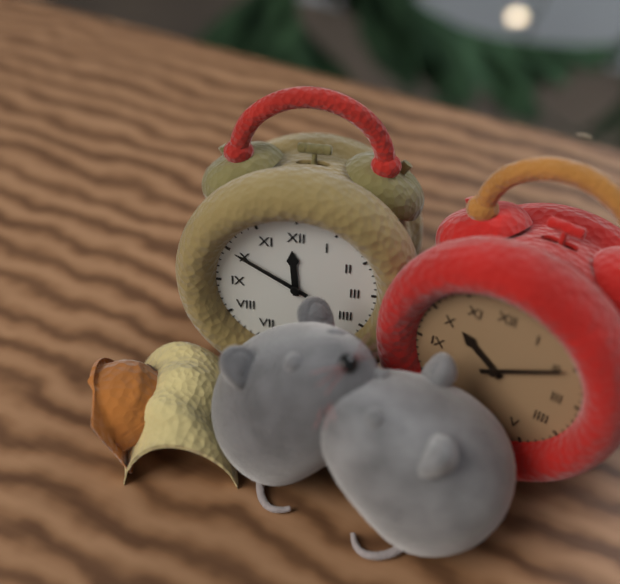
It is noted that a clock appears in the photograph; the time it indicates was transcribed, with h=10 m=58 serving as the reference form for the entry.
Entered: h=11 m=50
